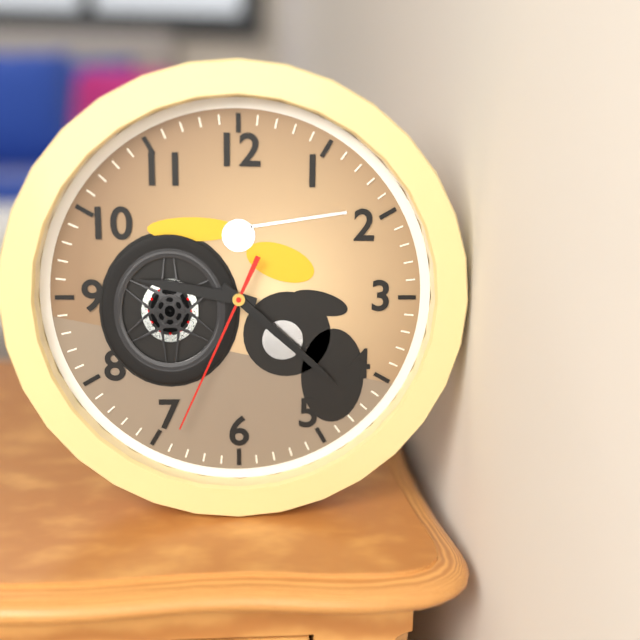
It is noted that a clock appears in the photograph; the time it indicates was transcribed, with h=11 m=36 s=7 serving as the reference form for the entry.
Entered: h=9 m=22 s=34
